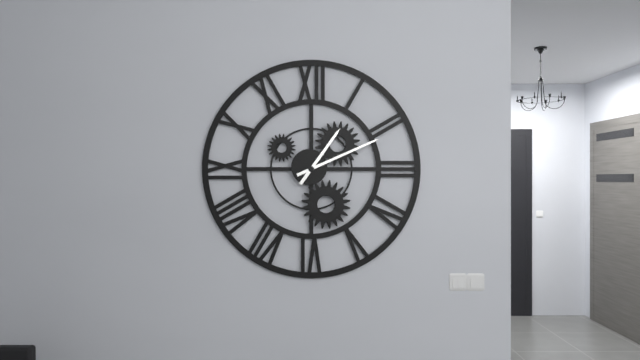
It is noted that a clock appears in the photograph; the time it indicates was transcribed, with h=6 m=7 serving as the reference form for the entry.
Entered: h=1 m=11
